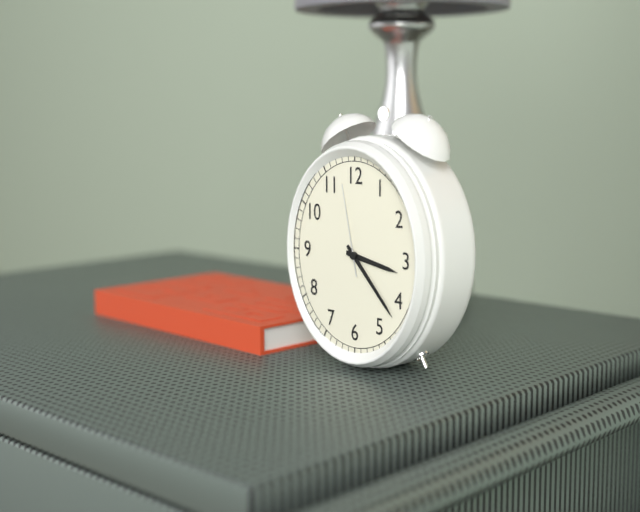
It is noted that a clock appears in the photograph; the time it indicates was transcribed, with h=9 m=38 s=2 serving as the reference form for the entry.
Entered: h=3 m=23 s=58
